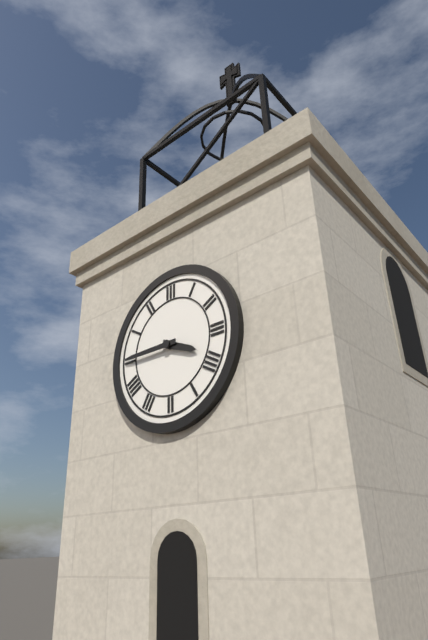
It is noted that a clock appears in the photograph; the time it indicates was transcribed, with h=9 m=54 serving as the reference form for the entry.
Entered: h=3 m=45
